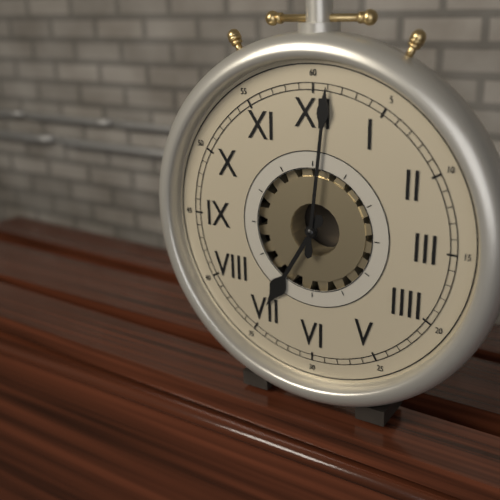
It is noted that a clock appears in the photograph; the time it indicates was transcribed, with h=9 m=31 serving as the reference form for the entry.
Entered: h=7 m=1
